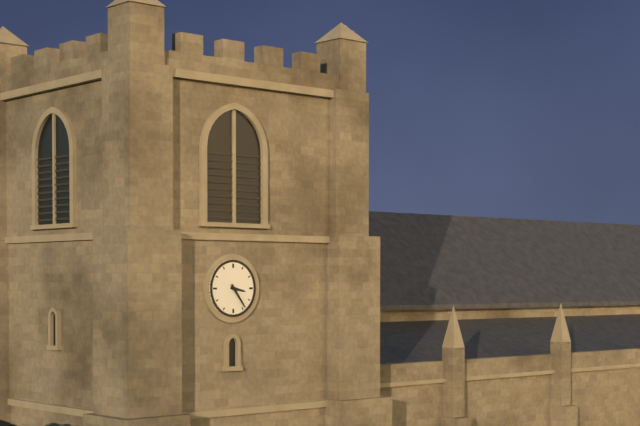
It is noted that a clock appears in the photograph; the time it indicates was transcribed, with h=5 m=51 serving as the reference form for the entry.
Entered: h=3 m=24
